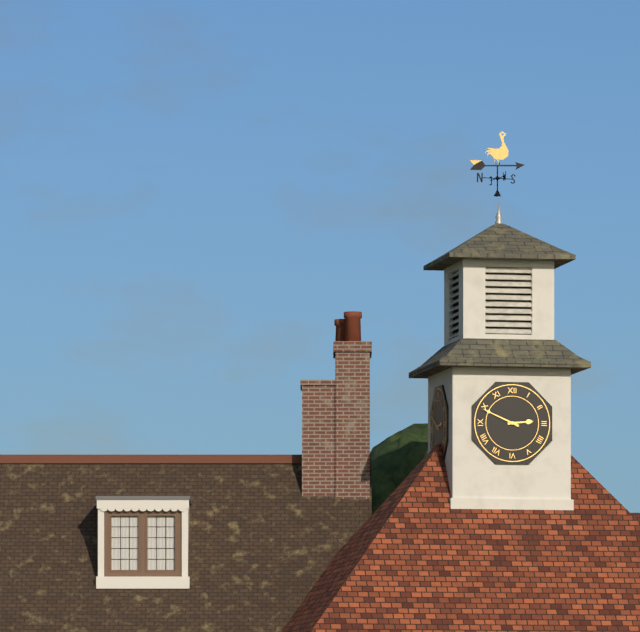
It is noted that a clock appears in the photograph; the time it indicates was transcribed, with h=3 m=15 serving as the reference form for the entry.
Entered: h=2 m=49
